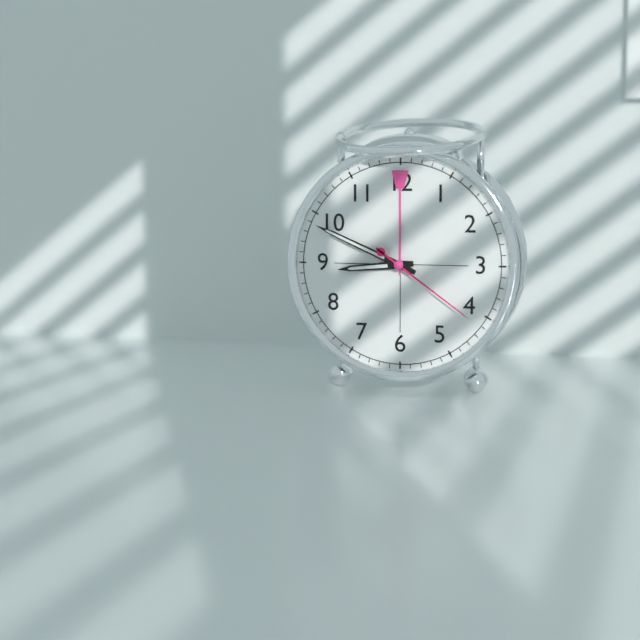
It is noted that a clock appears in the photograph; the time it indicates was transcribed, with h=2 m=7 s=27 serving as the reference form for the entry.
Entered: h=8 m=49 s=21
